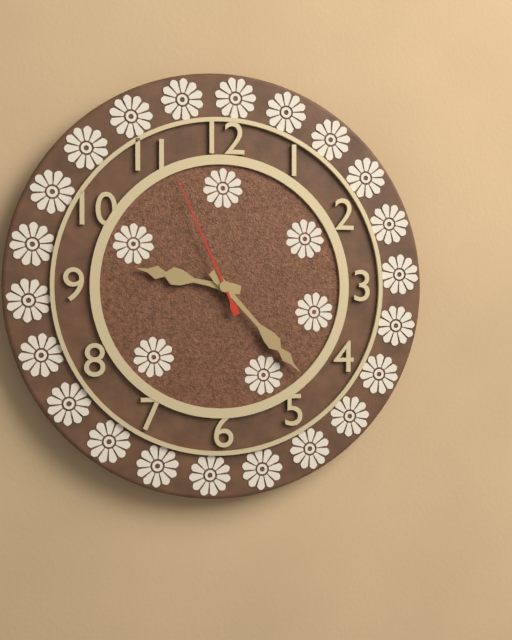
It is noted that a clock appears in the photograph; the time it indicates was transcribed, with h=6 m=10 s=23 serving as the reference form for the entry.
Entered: h=9 m=23 s=56
